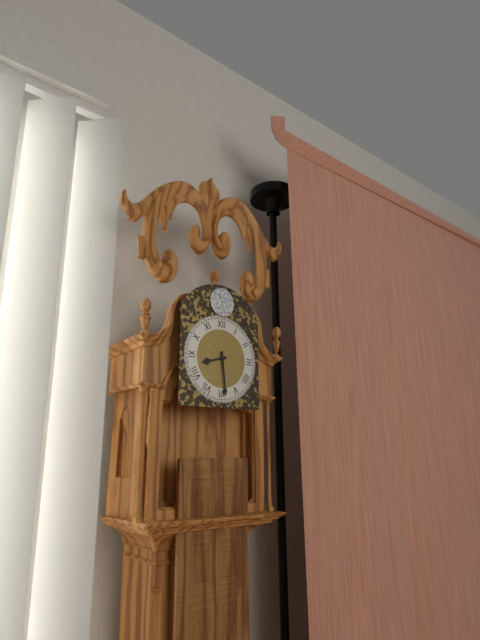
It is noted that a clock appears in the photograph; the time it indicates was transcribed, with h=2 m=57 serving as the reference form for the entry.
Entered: h=8 m=29
